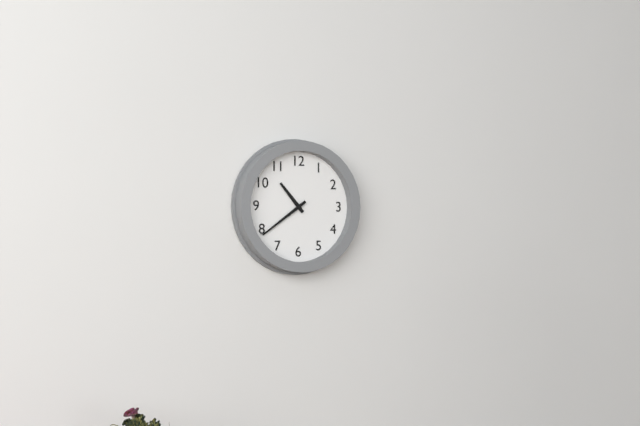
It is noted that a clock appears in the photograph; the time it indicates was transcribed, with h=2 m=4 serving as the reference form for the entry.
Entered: h=10 m=39
